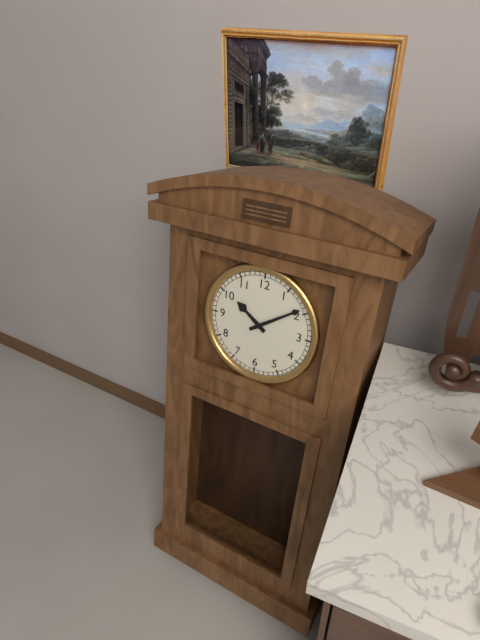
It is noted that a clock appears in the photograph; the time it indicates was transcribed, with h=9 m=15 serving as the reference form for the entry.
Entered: h=10 m=9
